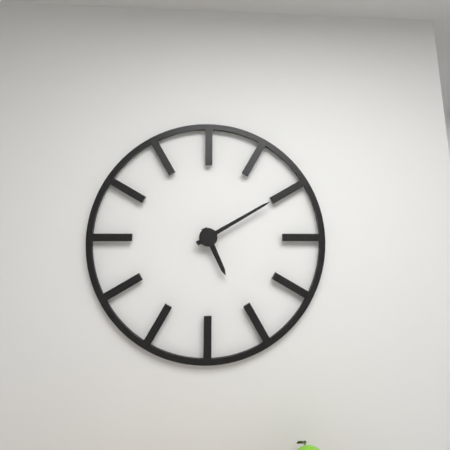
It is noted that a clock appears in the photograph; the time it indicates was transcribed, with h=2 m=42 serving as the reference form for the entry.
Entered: h=5 m=10
